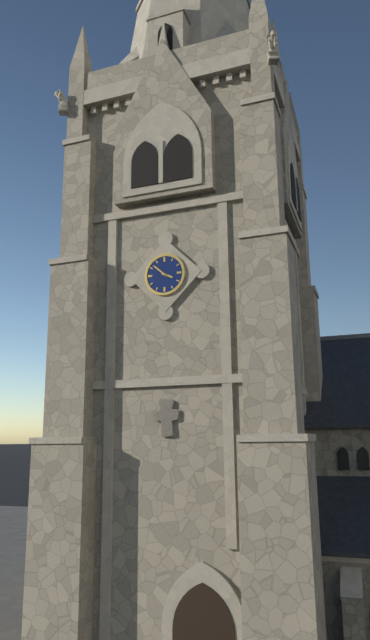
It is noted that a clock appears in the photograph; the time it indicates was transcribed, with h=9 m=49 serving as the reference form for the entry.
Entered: h=3 m=52
